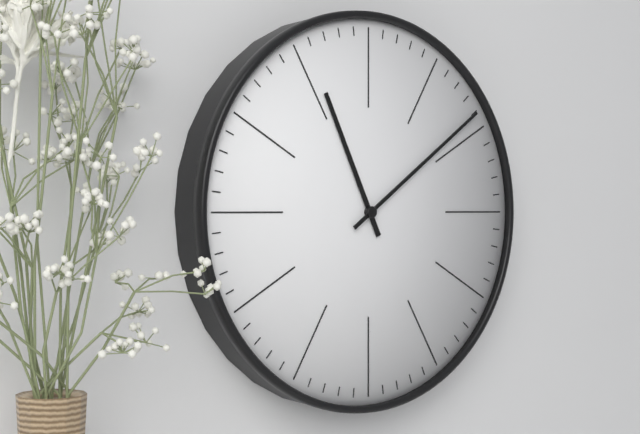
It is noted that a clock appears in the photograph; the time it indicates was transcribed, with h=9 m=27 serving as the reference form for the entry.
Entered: h=11 m=9
